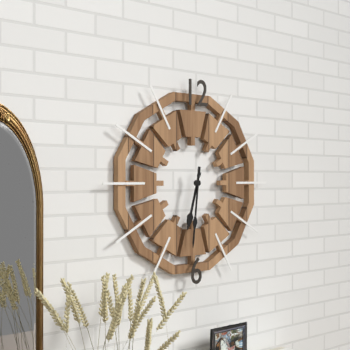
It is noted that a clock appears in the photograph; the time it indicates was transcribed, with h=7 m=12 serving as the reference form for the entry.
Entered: h=6 m=31
